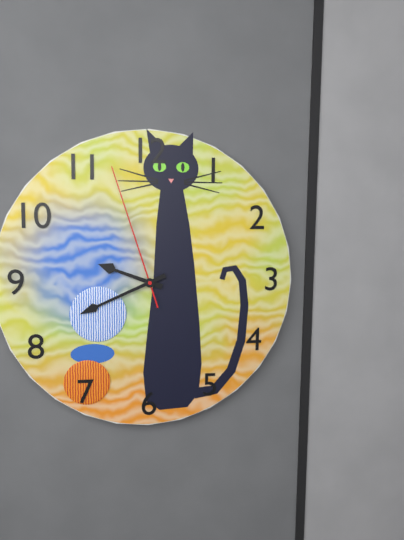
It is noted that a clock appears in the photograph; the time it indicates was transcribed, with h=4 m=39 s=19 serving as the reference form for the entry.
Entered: h=9 m=41 s=57
